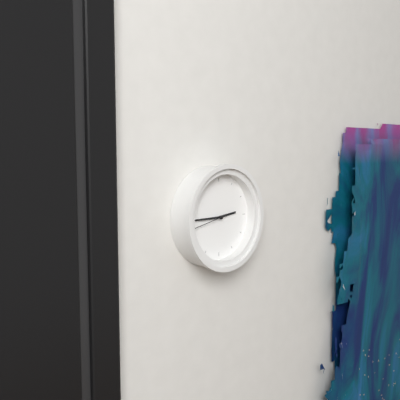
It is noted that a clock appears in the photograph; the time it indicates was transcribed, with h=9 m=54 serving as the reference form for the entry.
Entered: h=2 m=45
